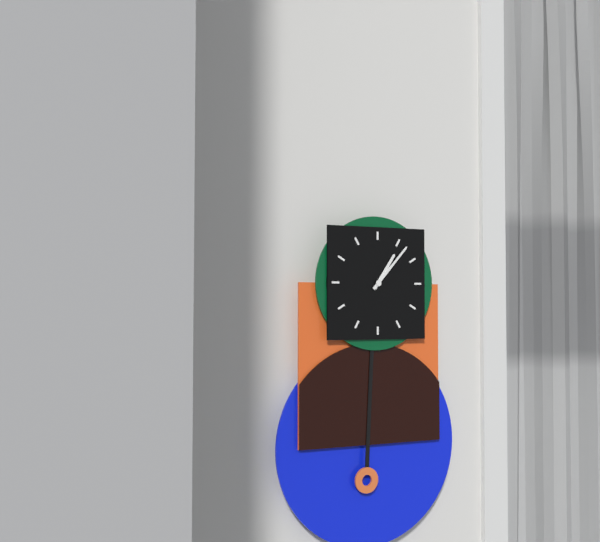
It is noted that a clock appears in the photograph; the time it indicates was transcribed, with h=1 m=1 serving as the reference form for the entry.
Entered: h=1 m=7
